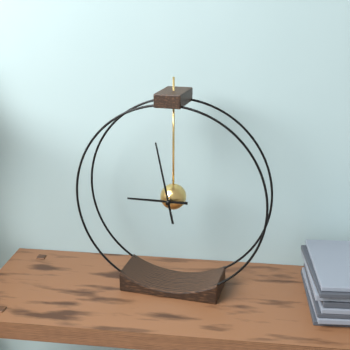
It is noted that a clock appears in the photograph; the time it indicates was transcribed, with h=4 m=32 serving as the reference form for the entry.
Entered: h=8 m=58
